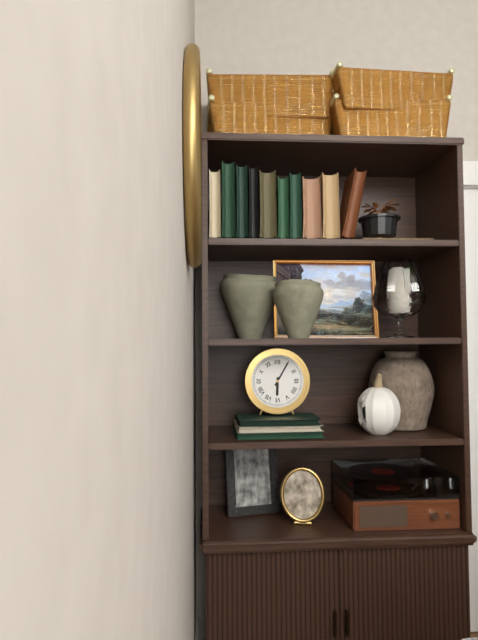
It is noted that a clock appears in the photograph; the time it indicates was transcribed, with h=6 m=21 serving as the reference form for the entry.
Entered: h=6 m=5
